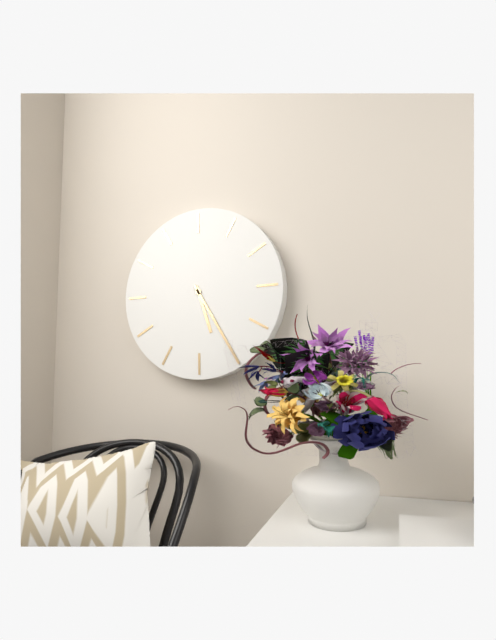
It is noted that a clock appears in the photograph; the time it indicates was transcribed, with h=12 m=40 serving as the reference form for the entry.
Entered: h=5 m=25
